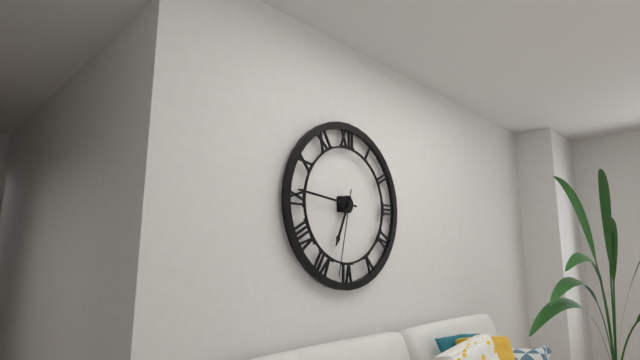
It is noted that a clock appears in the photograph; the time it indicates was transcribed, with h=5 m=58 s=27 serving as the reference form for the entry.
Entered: h=6 m=46 s=32
